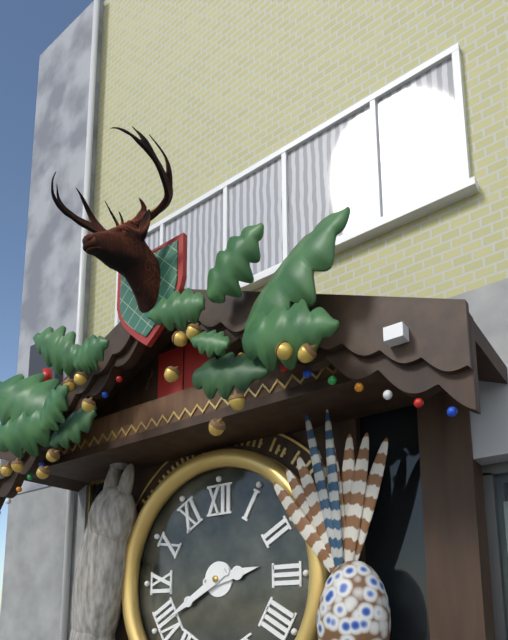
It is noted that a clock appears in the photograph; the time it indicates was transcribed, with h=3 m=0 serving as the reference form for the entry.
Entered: h=2 m=40
